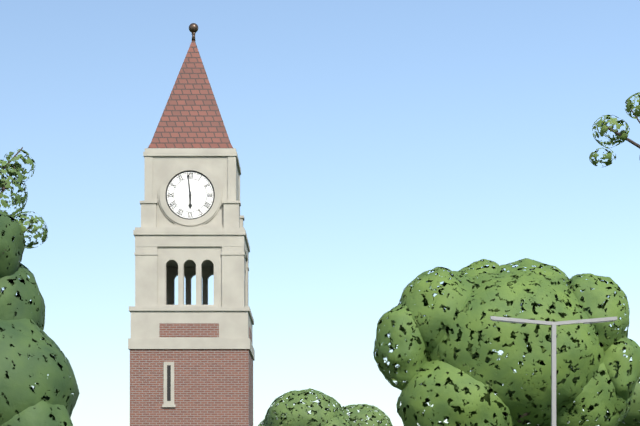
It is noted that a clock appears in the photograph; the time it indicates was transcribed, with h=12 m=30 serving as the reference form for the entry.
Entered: h=5 m=59
